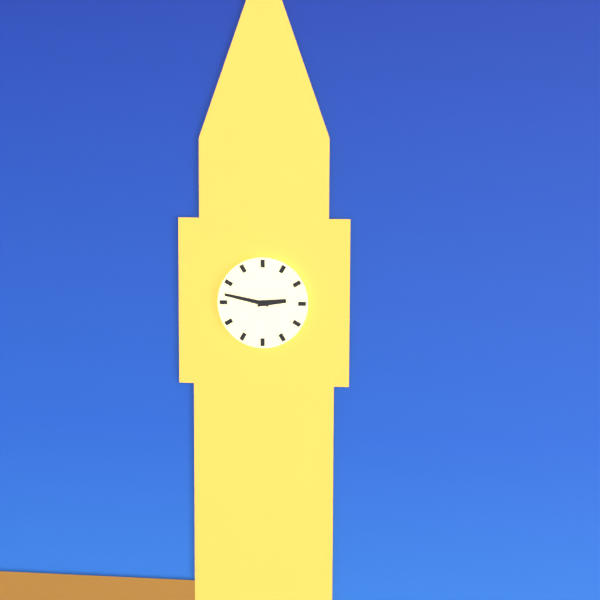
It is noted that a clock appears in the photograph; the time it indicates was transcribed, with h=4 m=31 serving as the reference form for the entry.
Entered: h=2 m=47
